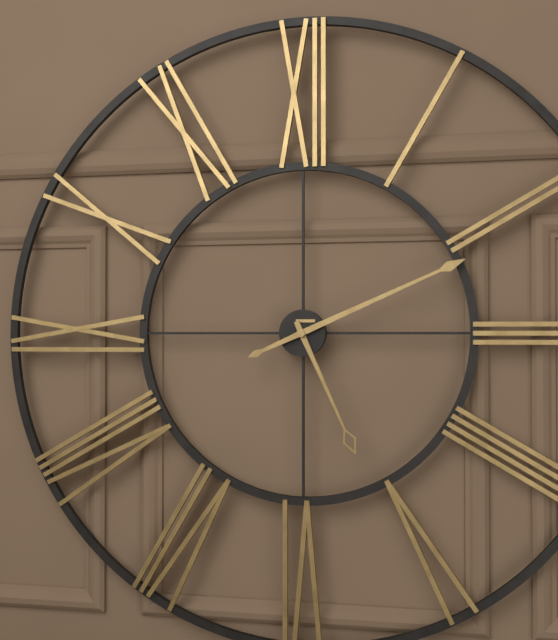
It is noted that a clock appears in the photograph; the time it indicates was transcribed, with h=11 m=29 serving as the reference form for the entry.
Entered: h=5 m=11
